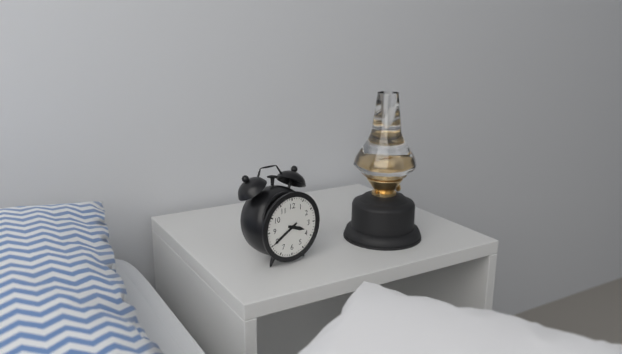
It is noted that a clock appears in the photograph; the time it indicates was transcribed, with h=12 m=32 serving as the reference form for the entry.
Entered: h=3 m=40
